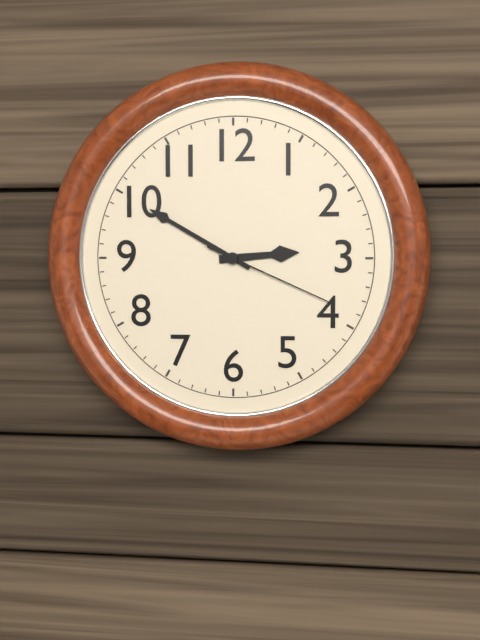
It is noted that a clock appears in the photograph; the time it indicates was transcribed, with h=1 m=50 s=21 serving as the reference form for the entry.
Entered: h=2 m=50 s=19
